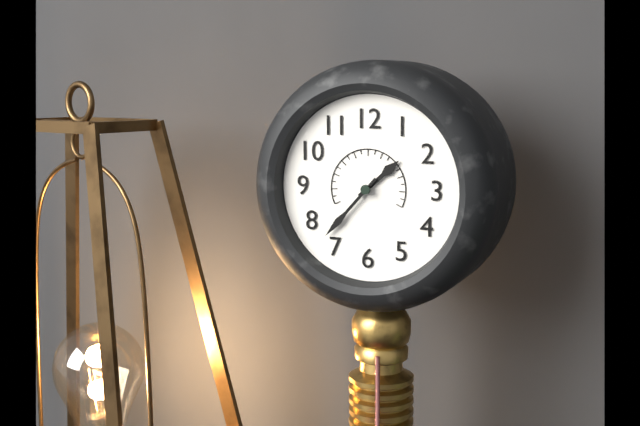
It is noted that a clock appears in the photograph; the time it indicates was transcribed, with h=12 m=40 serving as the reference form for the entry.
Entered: h=1 m=37
